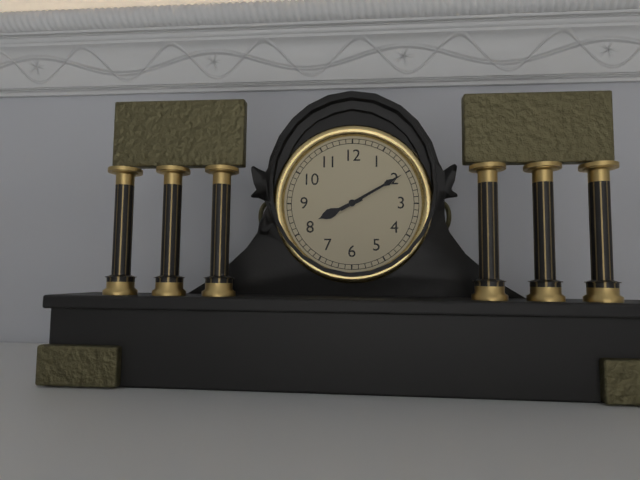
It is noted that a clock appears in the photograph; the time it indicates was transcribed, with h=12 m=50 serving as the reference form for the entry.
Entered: h=8 m=10
